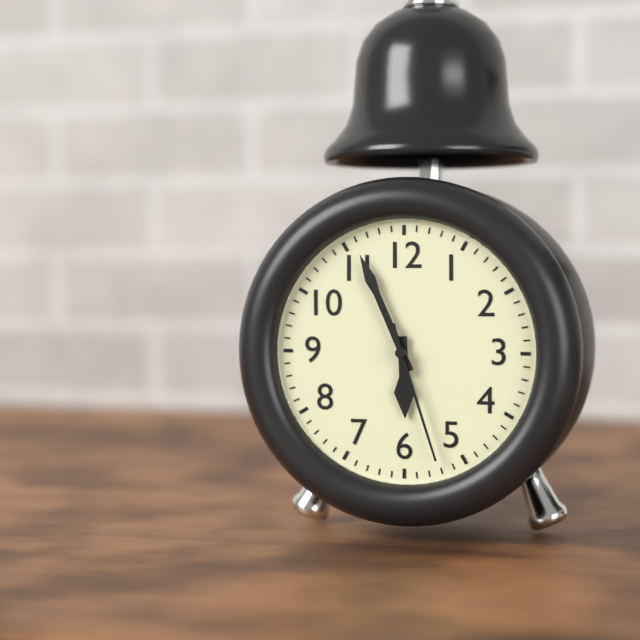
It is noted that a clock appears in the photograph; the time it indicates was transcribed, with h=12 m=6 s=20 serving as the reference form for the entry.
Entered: h=5 m=56 s=27
